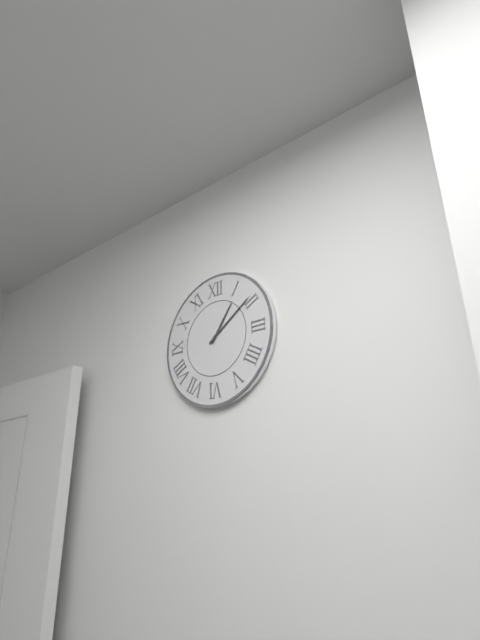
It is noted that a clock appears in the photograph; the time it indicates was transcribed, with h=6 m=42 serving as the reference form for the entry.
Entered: h=1 m=9
